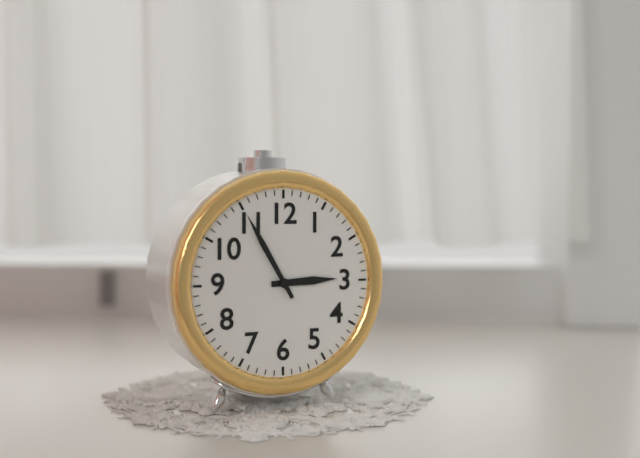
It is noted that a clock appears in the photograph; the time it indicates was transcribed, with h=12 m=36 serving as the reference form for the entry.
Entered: h=2 m=55
